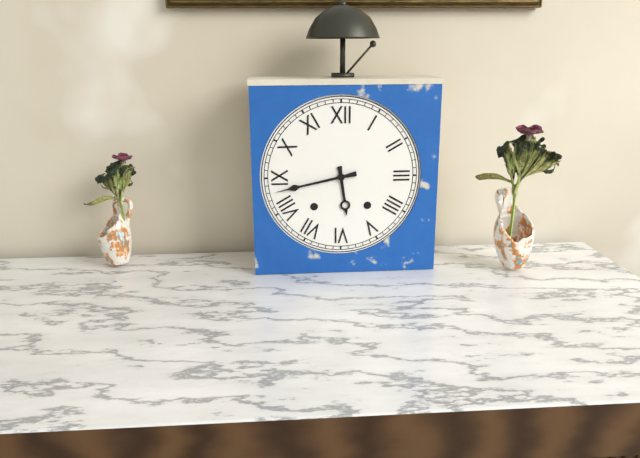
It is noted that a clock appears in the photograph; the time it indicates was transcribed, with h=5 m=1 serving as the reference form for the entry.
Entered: h=5 m=43
